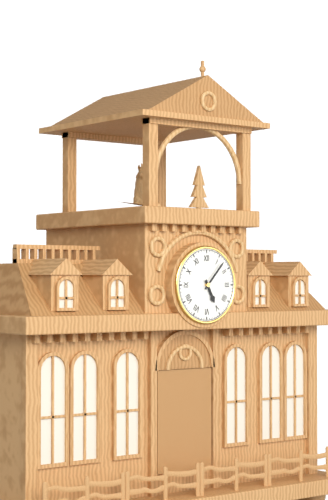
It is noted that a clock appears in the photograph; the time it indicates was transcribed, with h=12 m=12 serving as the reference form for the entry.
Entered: h=5 m=7
